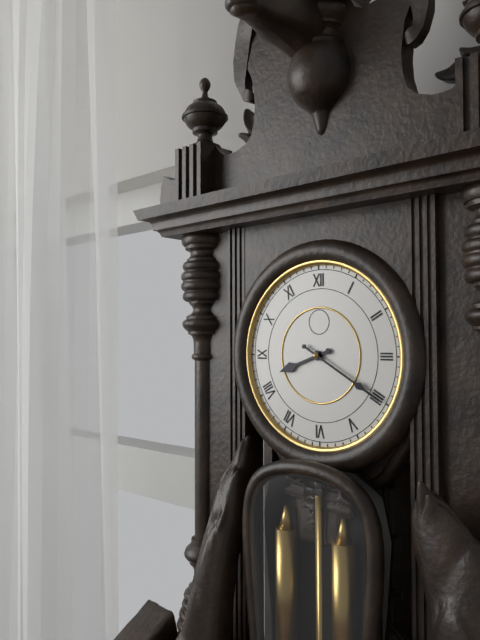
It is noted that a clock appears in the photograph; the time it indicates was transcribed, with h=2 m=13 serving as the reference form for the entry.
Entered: h=8 m=20
